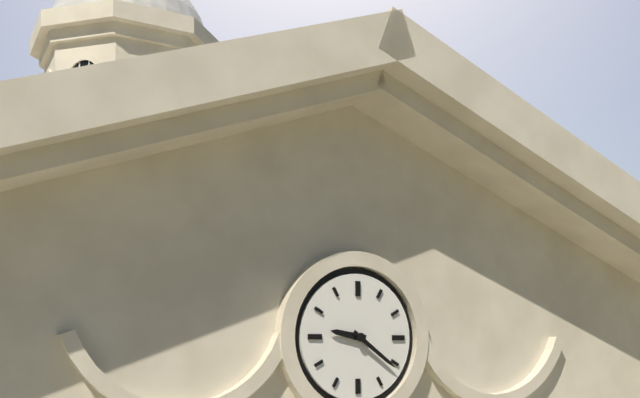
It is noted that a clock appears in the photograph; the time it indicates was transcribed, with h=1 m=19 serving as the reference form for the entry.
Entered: h=9 m=21
